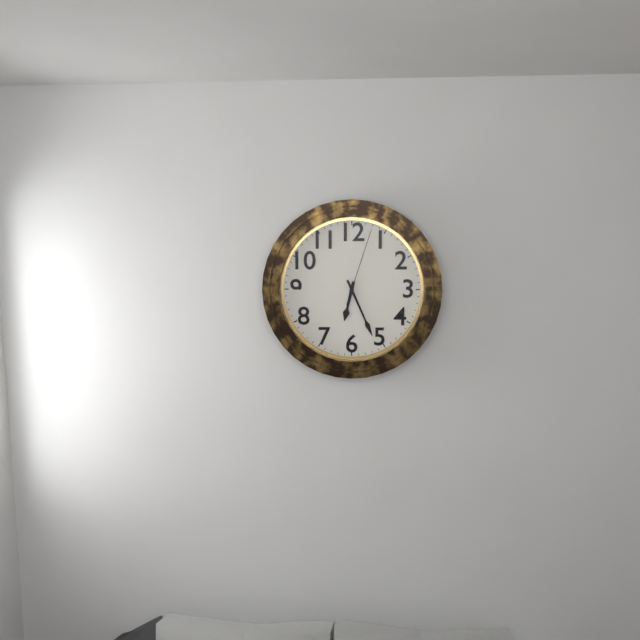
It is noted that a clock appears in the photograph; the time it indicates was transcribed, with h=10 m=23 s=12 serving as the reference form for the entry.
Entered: h=6 m=26 s=3
